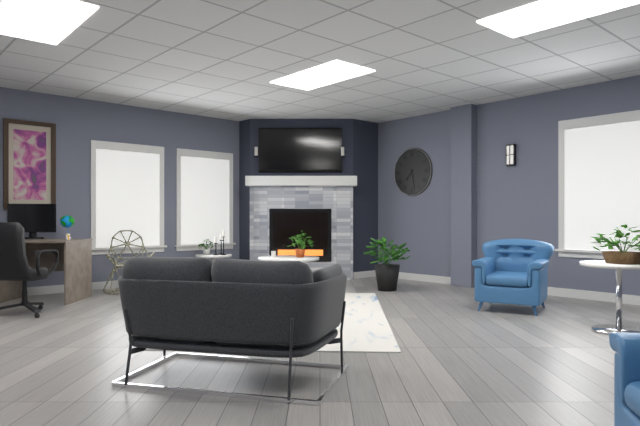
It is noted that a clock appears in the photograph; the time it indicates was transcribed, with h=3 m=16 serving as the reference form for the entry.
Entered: h=7 m=28
